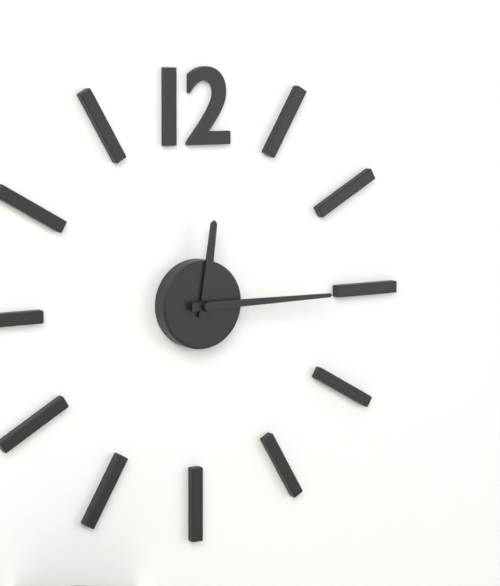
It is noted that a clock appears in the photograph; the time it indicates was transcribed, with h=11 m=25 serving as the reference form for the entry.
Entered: h=12 m=15
